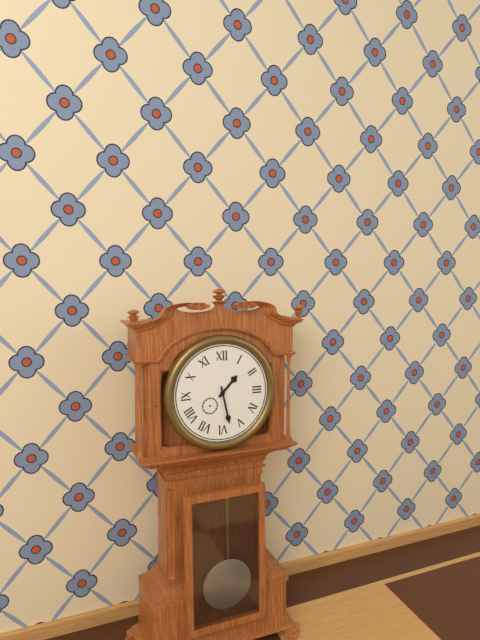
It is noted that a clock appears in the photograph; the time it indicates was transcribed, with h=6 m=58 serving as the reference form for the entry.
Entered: h=1 m=28
